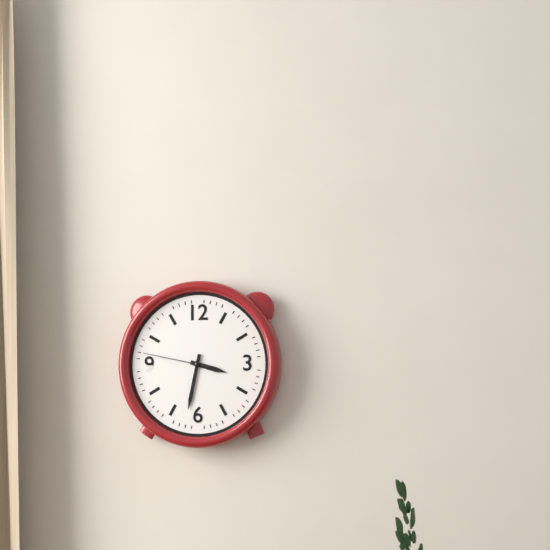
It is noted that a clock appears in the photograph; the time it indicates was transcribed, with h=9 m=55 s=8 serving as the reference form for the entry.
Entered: h=3 m=32 s=47
